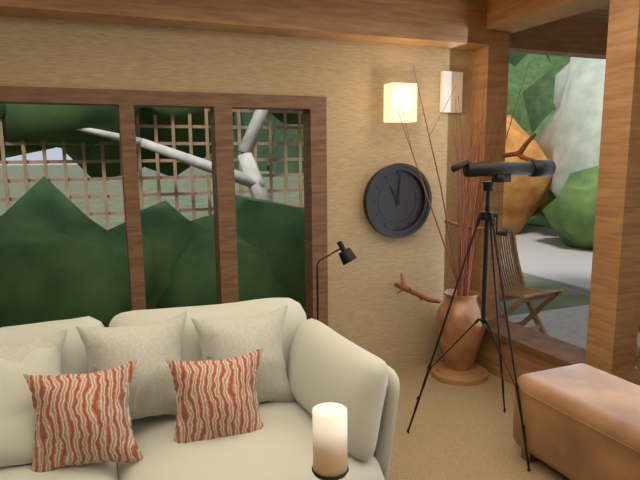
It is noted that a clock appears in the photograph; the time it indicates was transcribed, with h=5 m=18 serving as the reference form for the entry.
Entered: h=11 m=1
